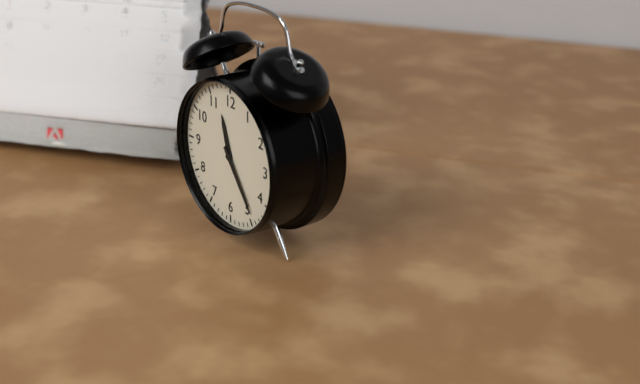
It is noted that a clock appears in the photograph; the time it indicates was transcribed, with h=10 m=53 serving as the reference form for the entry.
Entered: h=11 m=24
